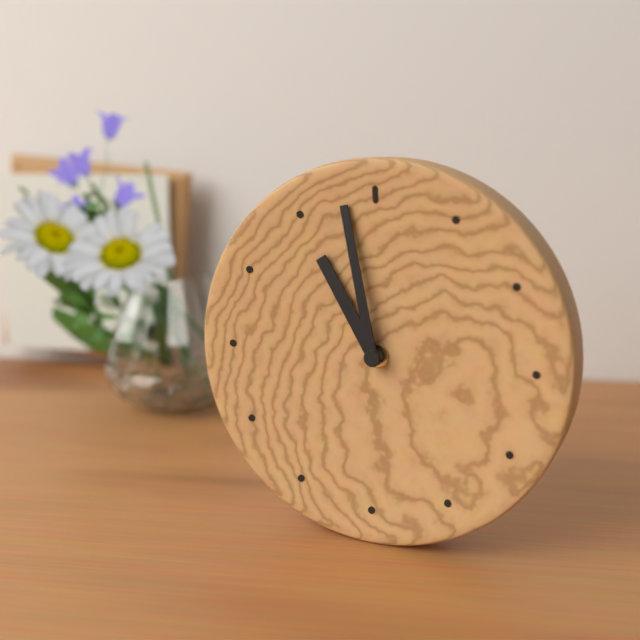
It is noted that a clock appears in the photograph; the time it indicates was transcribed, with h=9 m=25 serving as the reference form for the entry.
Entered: h=10 m=58
